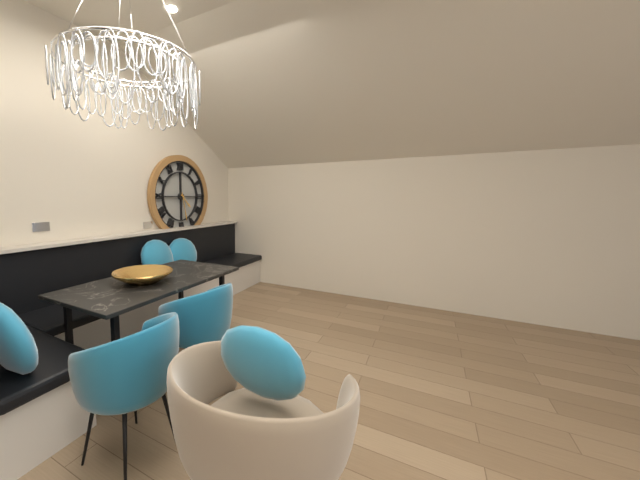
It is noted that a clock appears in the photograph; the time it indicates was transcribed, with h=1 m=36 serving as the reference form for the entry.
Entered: h=4 m=28
